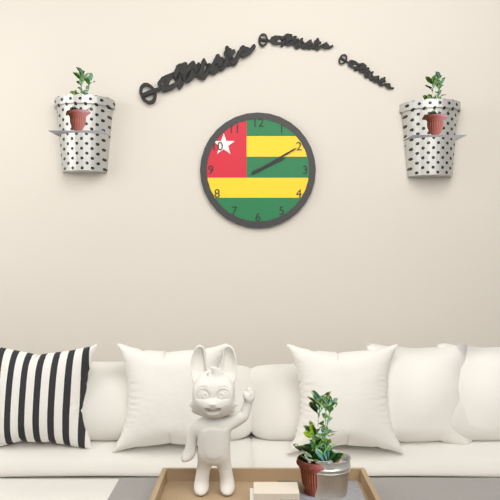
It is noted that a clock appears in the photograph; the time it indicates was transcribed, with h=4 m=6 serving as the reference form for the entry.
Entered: h=2 m=10
